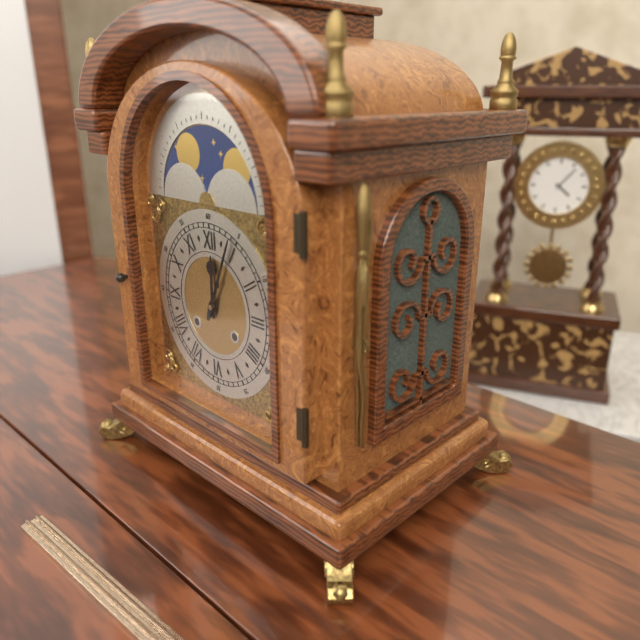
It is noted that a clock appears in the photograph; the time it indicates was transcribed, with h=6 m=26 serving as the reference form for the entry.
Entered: h=12 m=4
